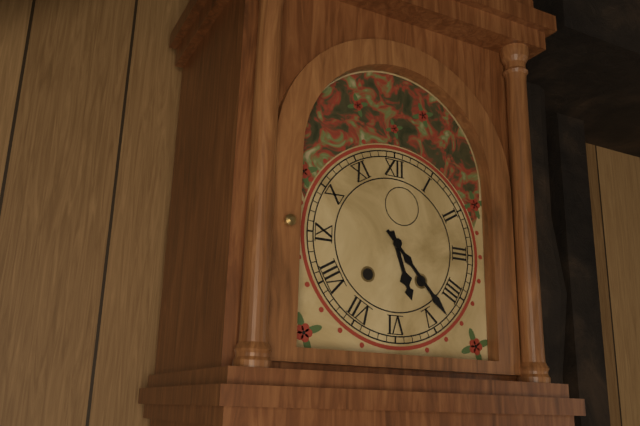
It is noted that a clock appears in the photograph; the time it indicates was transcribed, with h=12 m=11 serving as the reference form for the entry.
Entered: h=5 m=23
